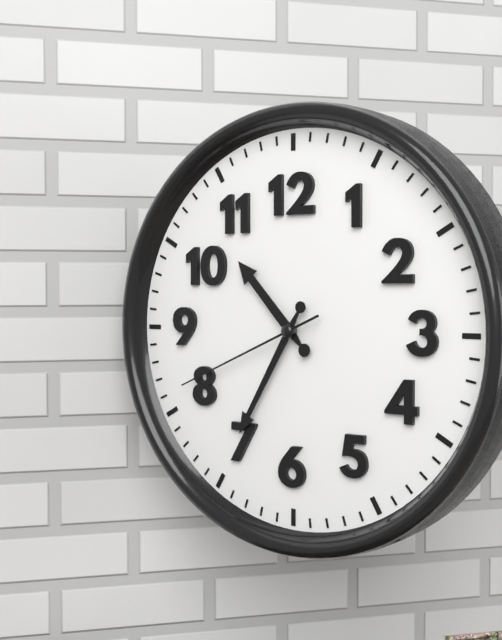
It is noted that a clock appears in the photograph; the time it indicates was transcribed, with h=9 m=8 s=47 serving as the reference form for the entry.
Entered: h=10 m=35 s=41
